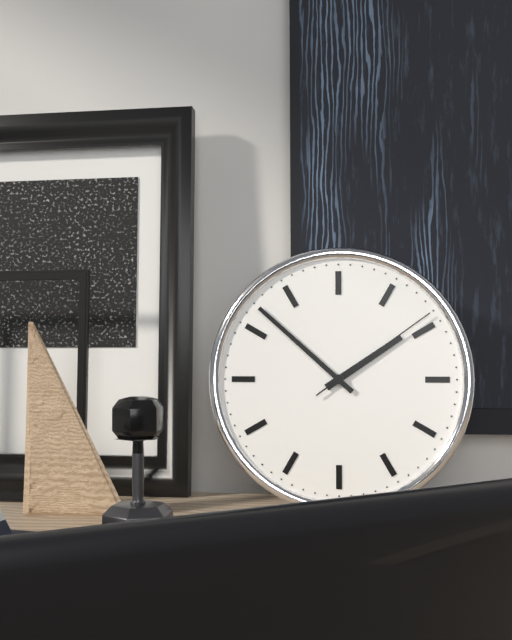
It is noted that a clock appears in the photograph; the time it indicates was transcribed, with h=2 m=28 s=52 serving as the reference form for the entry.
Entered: h=1 m=52 s=9
